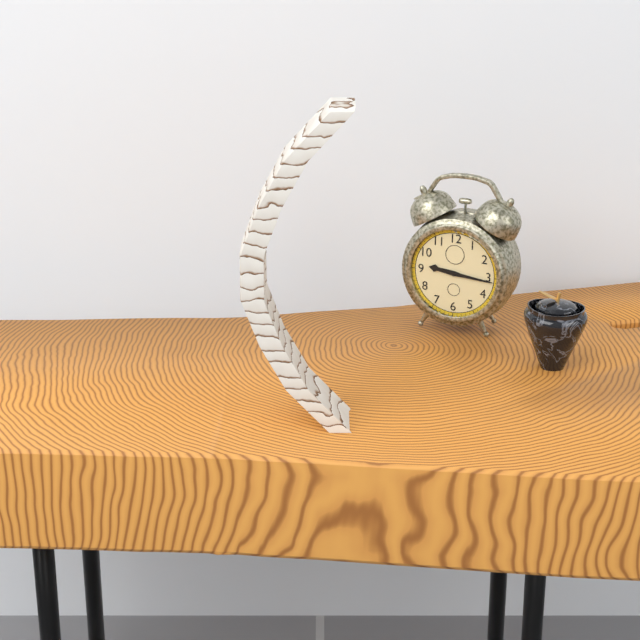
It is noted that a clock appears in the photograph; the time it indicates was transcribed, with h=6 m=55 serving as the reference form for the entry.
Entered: h=9 m=16
